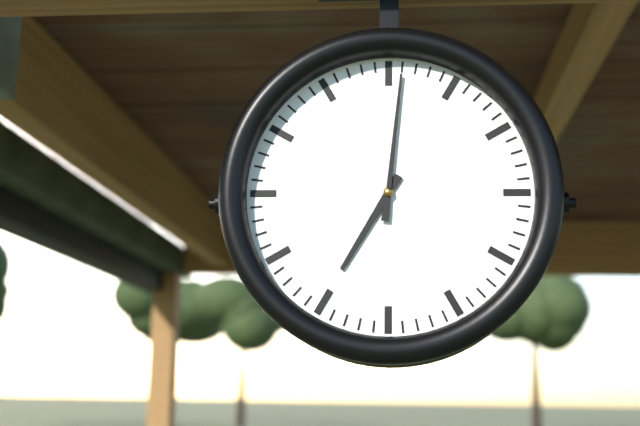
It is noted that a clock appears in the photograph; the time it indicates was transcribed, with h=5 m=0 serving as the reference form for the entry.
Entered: h=7 m=1
